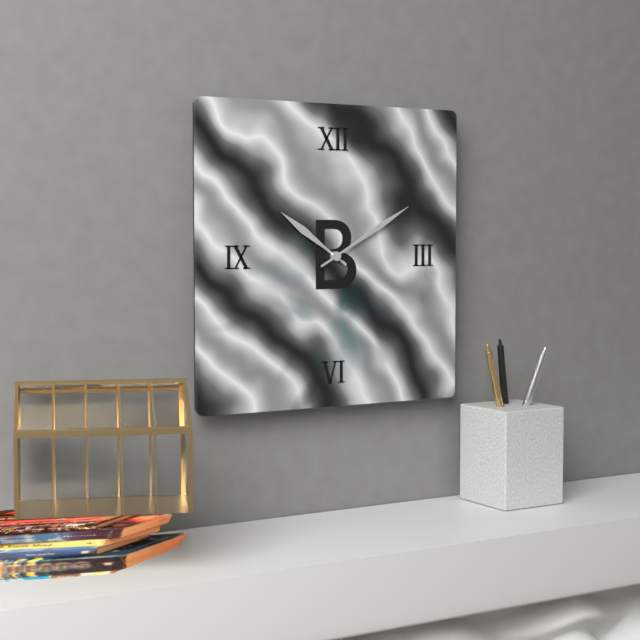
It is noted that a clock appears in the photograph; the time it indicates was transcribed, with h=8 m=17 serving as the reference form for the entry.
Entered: h=10 m=10
